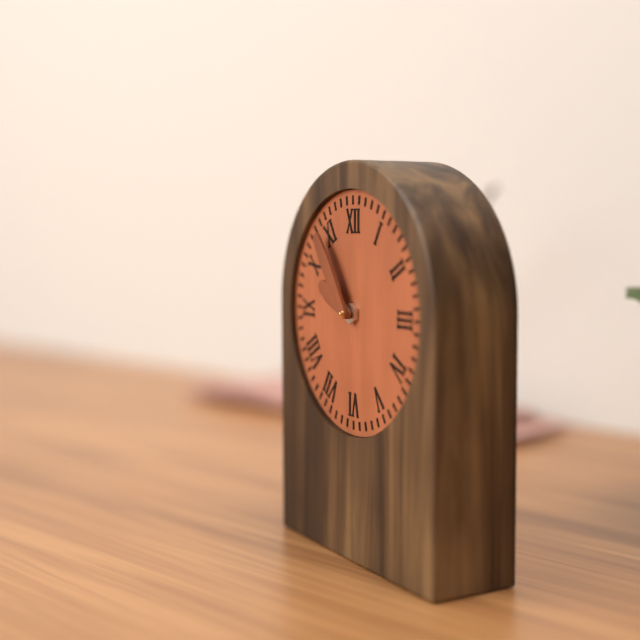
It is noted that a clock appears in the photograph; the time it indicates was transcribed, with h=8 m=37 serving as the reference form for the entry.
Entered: h=9 m=54
